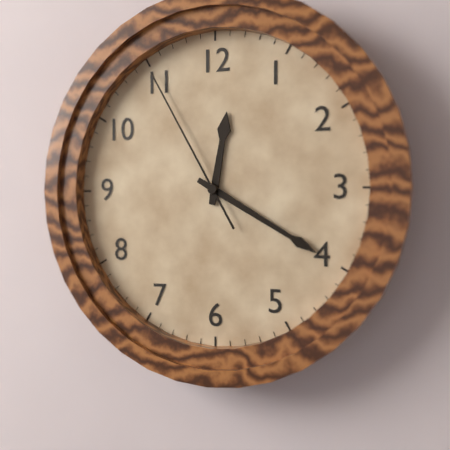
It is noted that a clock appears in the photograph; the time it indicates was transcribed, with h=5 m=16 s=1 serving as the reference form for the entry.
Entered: h=12 m=20 s=55
